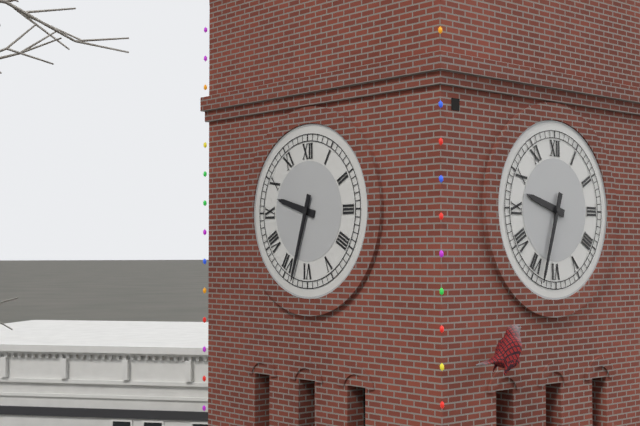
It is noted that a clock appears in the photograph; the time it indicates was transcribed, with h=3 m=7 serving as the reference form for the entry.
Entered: h=9 m=33
